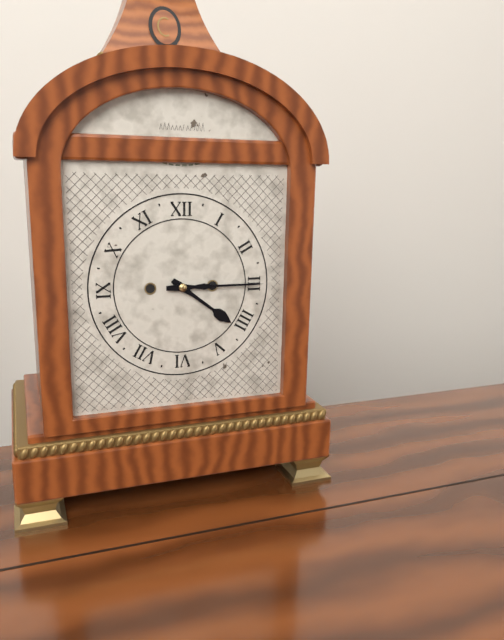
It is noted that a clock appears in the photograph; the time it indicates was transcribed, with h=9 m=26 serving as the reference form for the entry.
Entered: h=4 m=15
